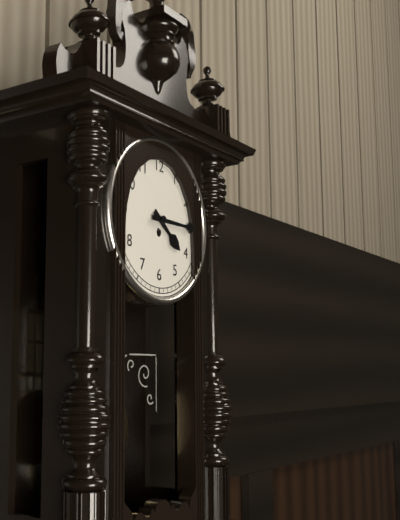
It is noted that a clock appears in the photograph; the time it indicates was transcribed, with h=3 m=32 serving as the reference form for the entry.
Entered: h=4 m=15
